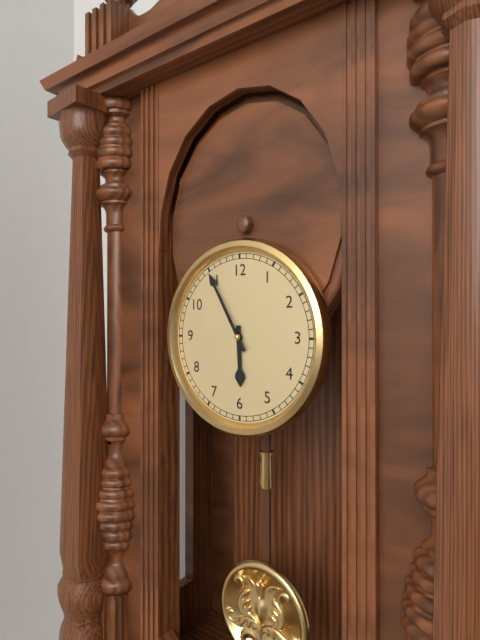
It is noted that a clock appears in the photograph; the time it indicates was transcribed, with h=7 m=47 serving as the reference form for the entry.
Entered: h=5 m=55
